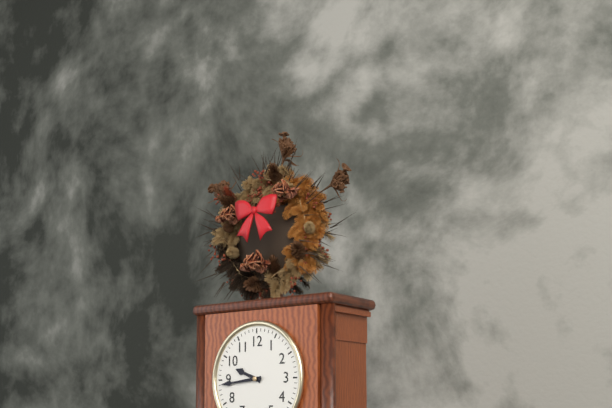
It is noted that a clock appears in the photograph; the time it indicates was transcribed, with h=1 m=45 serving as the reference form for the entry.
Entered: h=9 m=44
